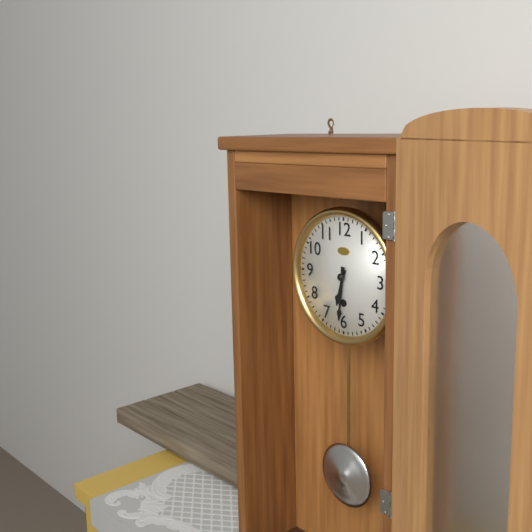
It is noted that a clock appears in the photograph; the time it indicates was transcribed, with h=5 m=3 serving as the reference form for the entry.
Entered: h=6 m=31
